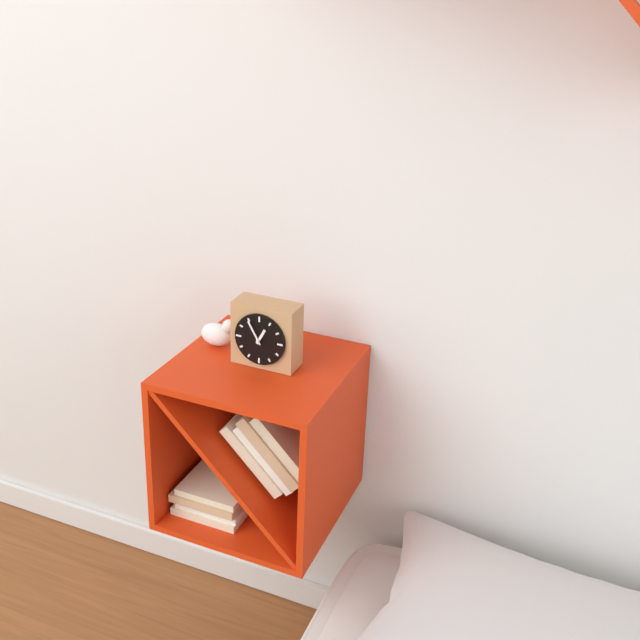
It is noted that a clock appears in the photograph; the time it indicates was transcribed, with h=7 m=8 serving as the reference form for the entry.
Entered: h=12 m=55
